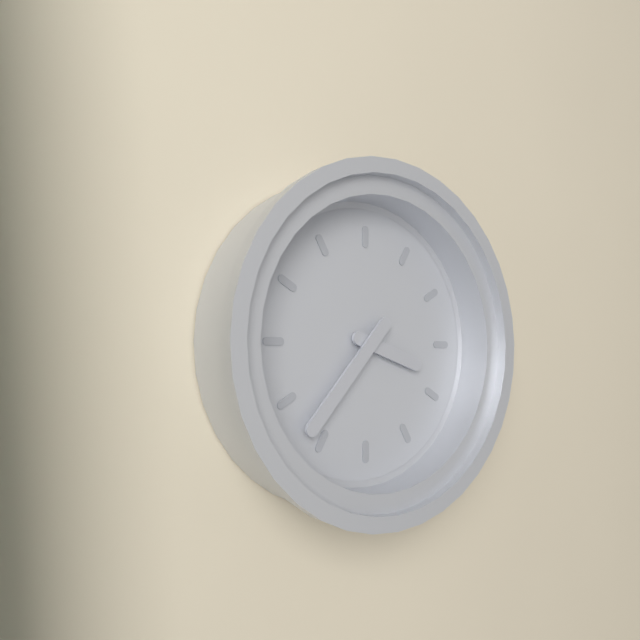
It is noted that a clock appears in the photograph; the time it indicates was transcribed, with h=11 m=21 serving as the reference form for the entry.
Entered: h=3 m=37
